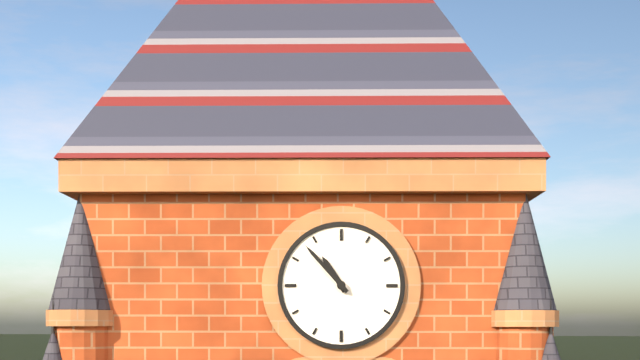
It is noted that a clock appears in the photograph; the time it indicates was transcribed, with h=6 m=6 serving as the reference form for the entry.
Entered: h=10 m=53
